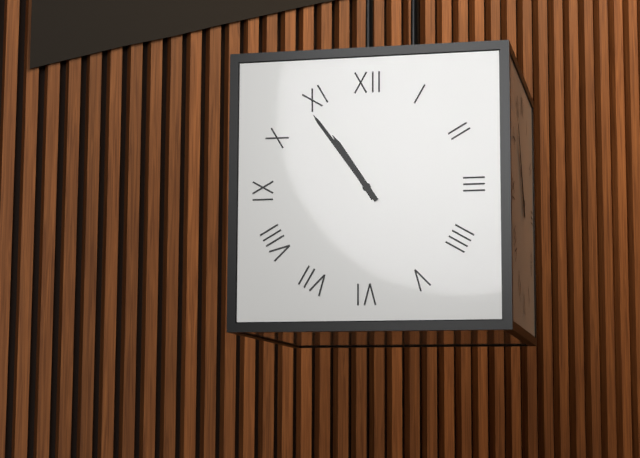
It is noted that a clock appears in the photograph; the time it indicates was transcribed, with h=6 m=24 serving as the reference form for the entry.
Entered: h=10 m=54
